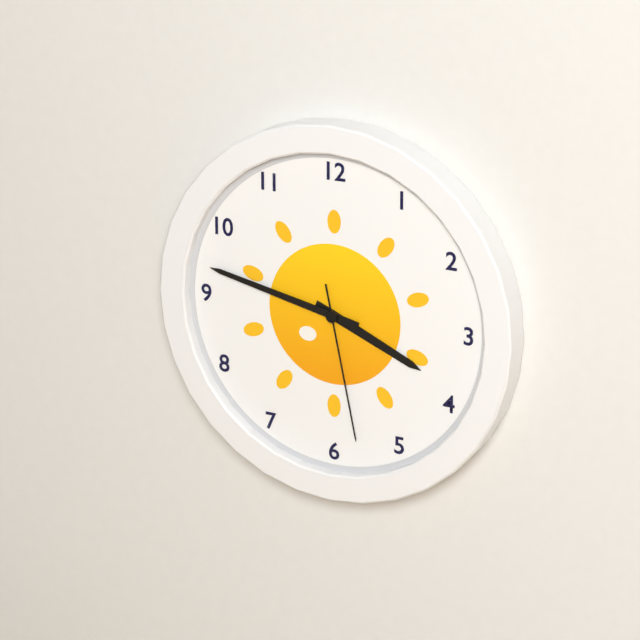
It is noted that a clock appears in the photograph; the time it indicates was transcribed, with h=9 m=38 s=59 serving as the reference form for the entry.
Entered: h=3 m=47 s=28
